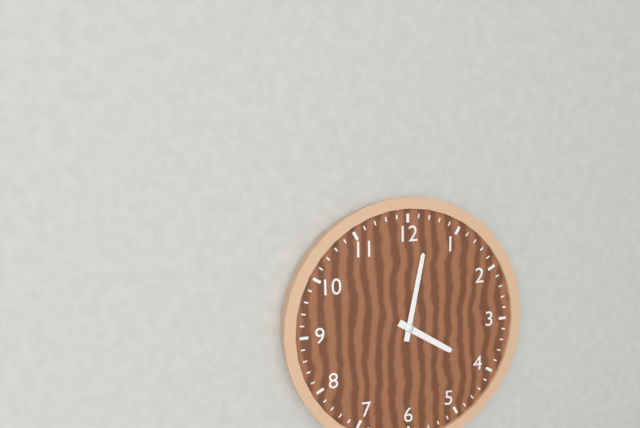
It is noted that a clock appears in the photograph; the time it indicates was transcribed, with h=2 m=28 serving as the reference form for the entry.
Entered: h=4 m=2
